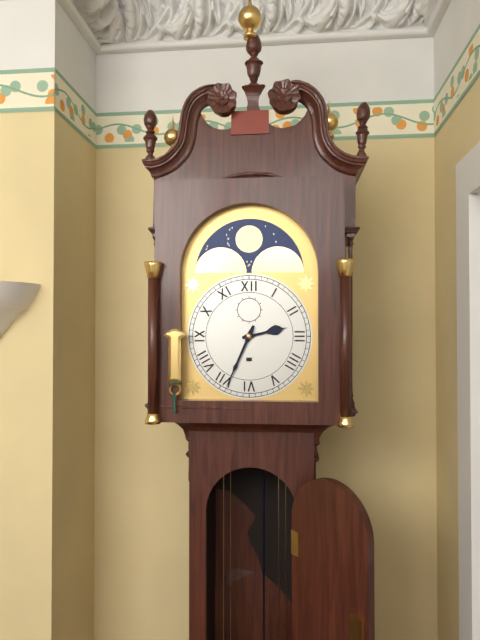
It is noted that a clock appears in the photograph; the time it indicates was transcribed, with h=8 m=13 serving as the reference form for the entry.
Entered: h=2 m=34
